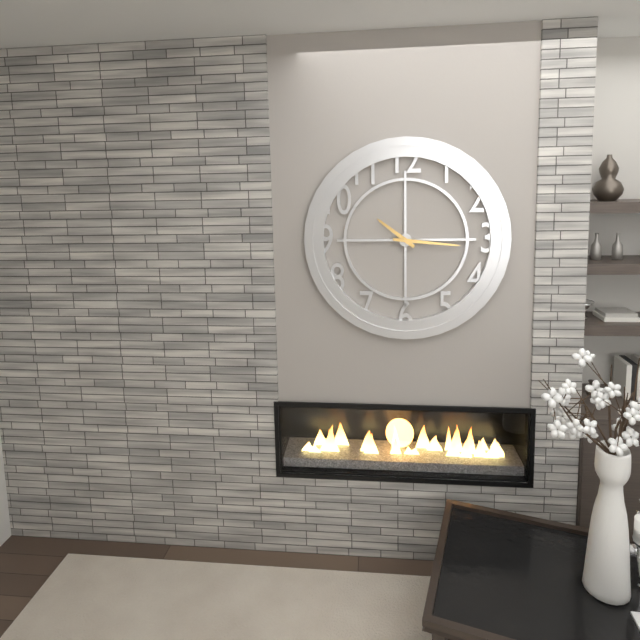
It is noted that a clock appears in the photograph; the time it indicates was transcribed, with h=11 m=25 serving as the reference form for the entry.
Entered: h=10 m=16
